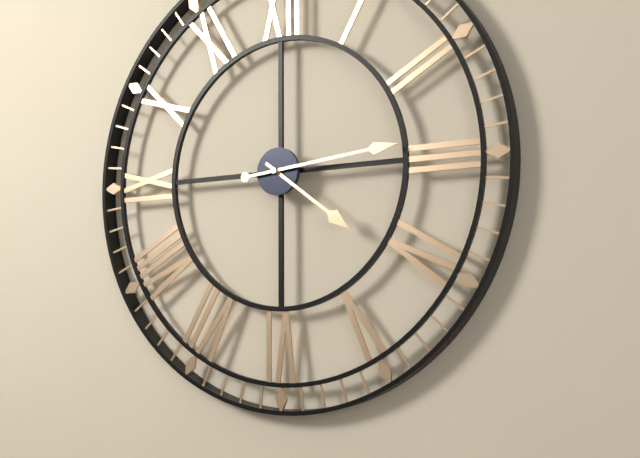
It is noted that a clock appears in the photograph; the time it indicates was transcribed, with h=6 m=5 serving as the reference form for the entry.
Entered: h=4 m=14
